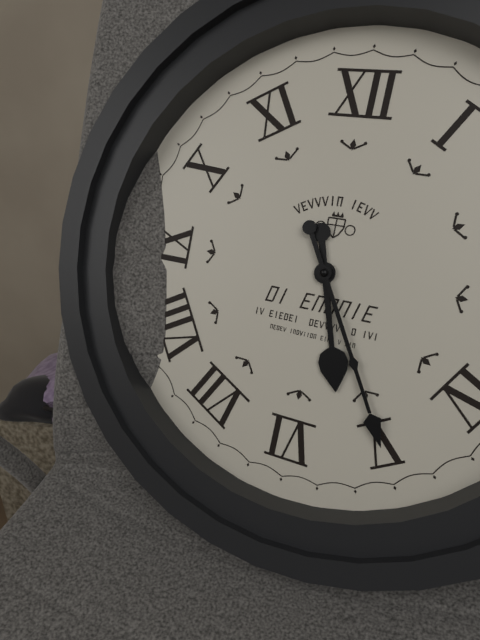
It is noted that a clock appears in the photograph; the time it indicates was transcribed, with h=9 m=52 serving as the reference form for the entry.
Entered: h=5 m=25
